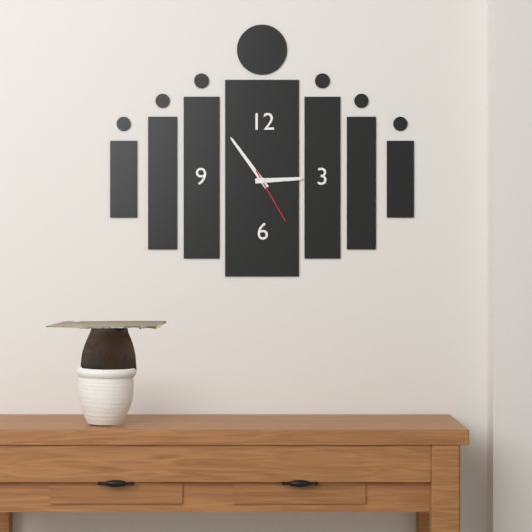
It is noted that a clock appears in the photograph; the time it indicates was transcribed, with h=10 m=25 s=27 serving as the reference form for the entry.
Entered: h=2 m=54 s=25
